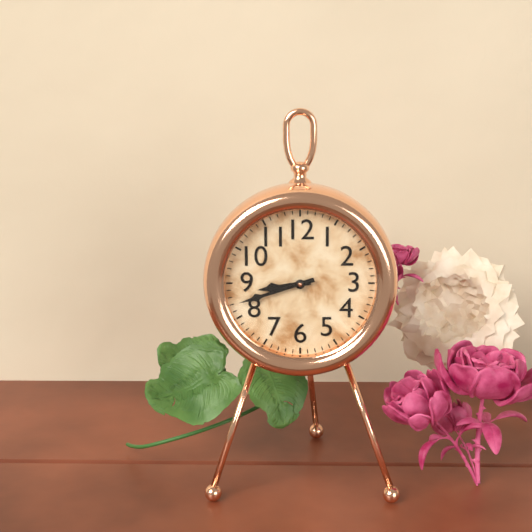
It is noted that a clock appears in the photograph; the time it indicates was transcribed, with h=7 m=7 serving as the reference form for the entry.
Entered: h=8 m=42
